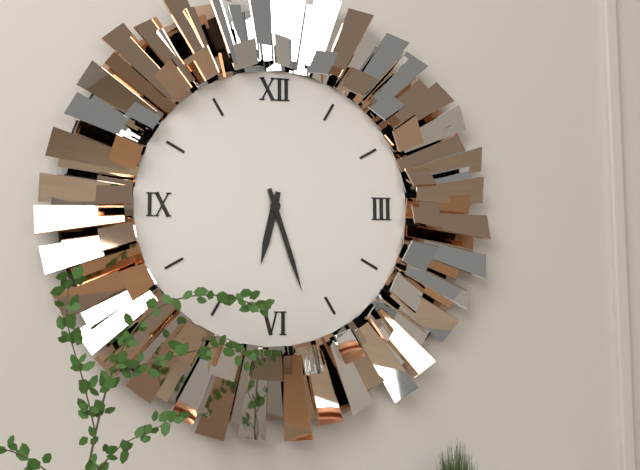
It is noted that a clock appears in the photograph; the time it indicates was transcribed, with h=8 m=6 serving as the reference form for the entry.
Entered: h=6 m=27
